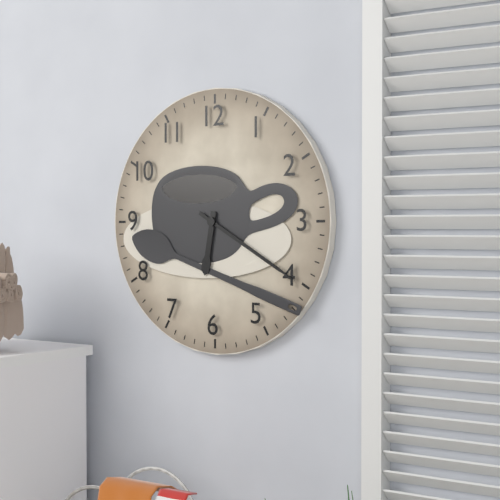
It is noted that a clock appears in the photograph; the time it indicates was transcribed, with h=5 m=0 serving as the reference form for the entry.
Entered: h=6 m=20
